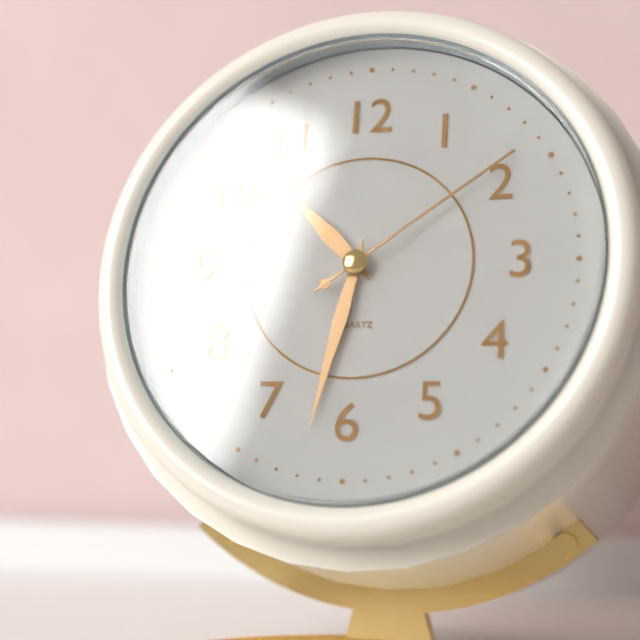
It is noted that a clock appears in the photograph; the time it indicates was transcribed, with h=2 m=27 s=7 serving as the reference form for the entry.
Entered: h=10 m=32 s=9
